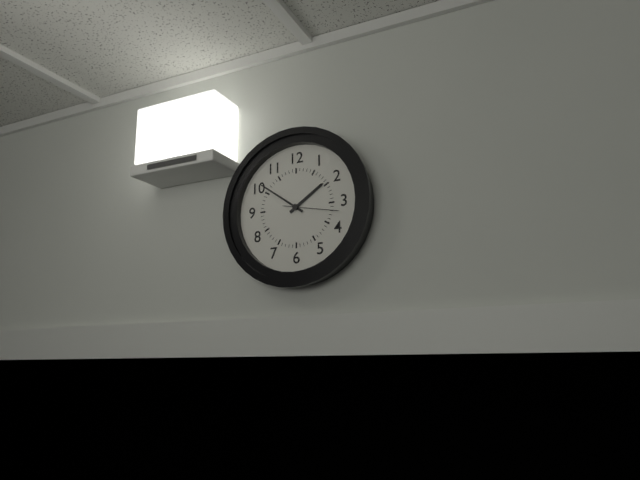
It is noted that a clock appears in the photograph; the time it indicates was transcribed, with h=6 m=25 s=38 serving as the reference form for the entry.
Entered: h=1 m=51 s=17
